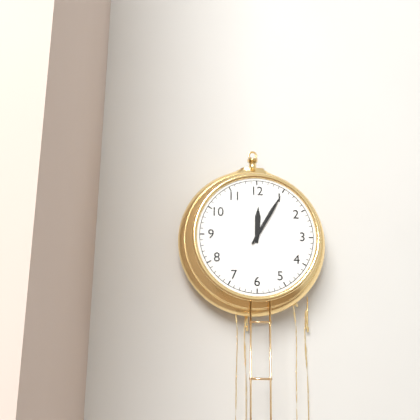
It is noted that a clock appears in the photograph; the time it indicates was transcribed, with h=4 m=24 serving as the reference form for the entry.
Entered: h=12 m=5
